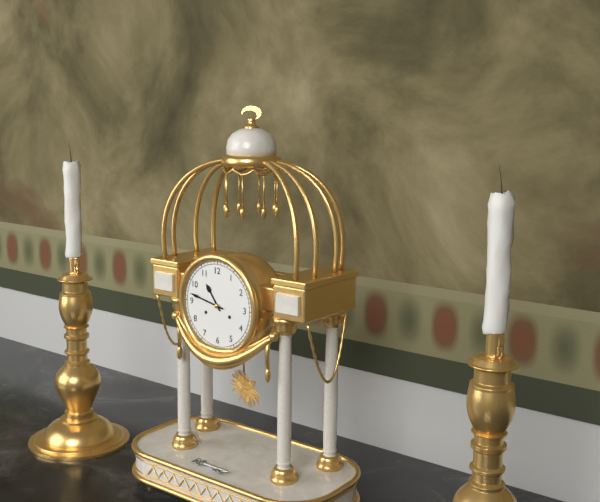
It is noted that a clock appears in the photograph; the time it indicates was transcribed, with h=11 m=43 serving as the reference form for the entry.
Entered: h=10 m=47
